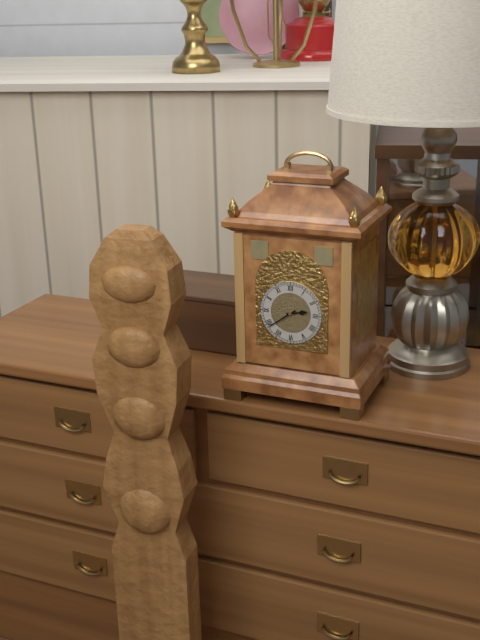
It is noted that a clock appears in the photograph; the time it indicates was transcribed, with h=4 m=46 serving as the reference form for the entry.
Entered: h=2 m=39
